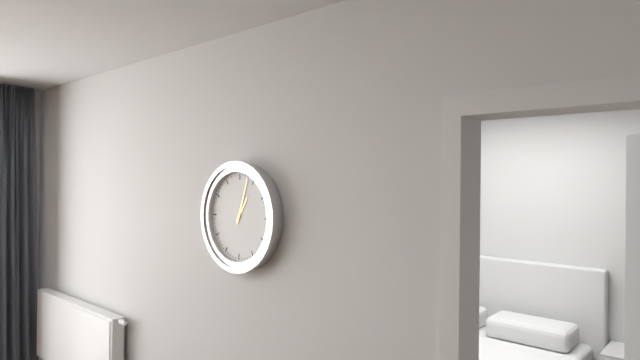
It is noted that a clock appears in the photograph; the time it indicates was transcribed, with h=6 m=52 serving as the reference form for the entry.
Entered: h=1 m=3
